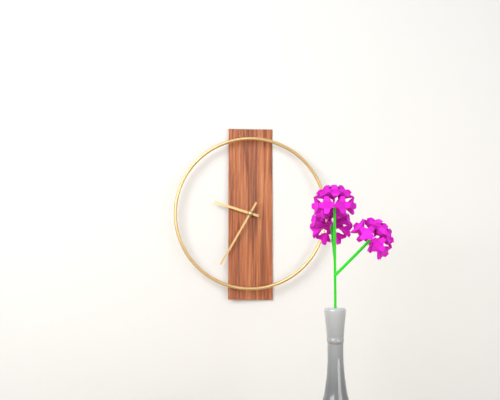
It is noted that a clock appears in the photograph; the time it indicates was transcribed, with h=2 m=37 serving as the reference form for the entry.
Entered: h=9 m=35
